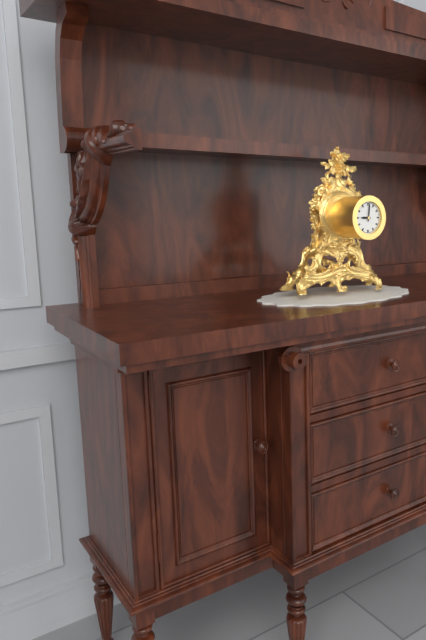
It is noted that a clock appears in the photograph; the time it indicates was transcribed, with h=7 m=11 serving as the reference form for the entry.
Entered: h=9 m=1
